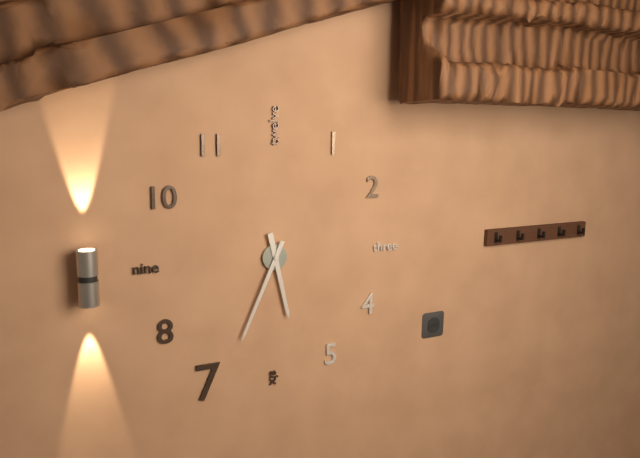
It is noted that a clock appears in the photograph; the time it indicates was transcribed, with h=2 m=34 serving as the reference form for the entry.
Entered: h=5 m=34
